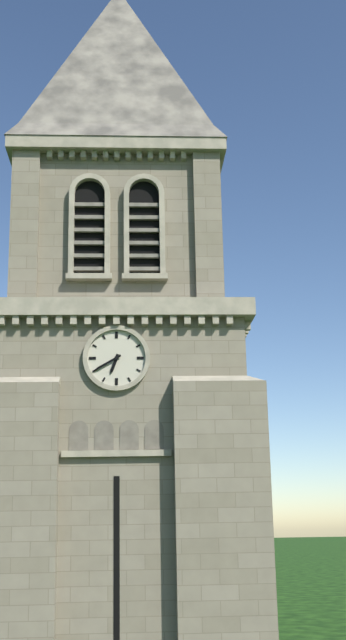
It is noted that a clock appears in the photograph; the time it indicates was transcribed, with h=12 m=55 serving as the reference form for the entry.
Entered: h=6 m=40
